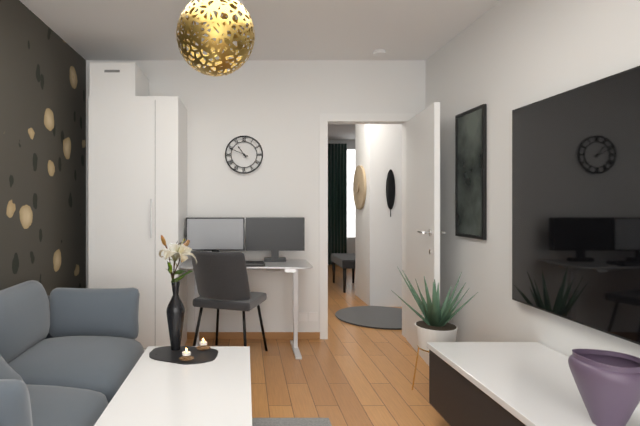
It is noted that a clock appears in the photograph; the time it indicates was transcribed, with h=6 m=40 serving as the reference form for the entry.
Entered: h=10 m=49
